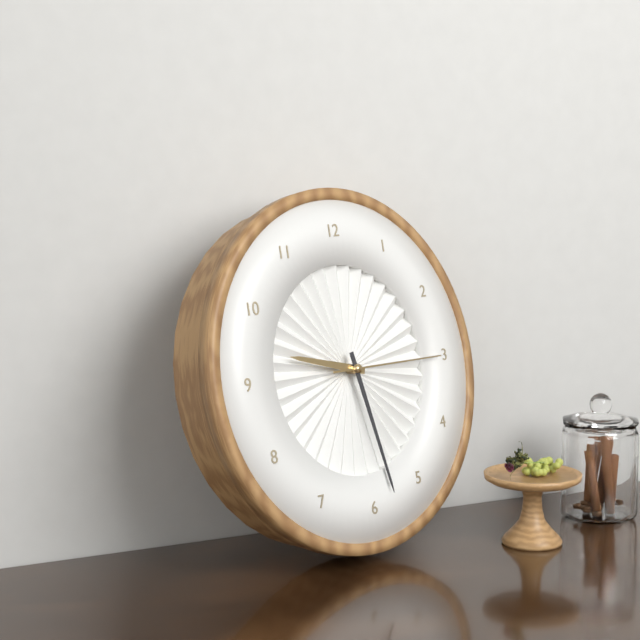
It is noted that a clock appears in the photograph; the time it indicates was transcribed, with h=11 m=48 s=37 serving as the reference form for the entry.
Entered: h=9 m=28 s=15
